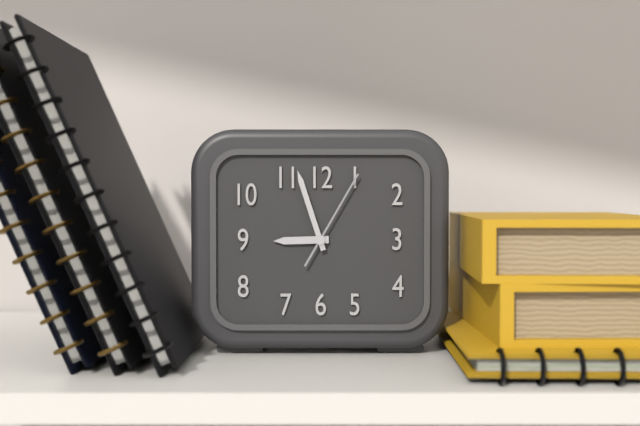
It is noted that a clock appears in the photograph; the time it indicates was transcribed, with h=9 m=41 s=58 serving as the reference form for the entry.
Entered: h=8 m=57 s=5
